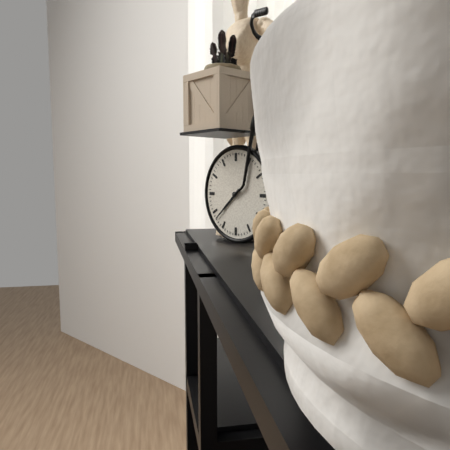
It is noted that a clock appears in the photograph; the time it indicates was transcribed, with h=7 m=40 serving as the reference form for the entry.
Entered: h=7 m=38
